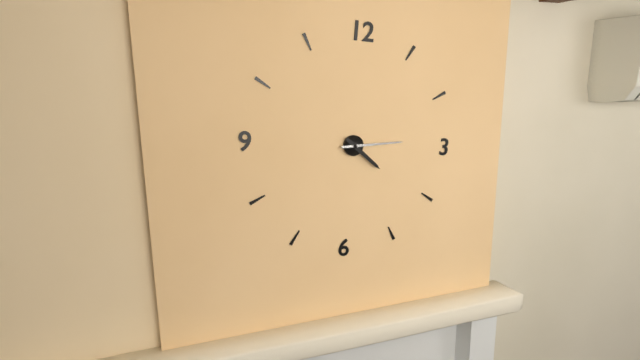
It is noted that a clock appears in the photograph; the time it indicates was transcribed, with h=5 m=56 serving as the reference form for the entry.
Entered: h=4 m=14
